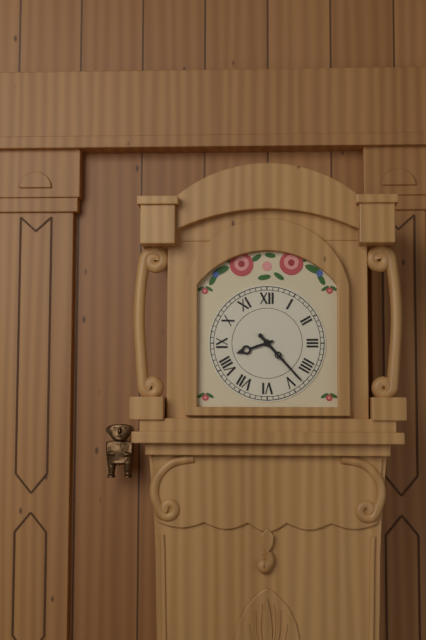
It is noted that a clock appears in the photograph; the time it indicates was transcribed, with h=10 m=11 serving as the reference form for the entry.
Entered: h=8 m=23
